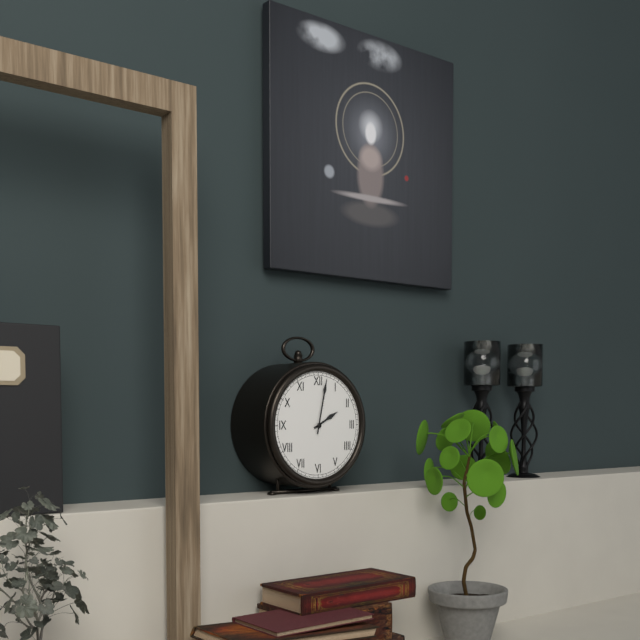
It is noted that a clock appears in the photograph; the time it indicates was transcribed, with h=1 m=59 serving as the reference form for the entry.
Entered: h=2 m=2
